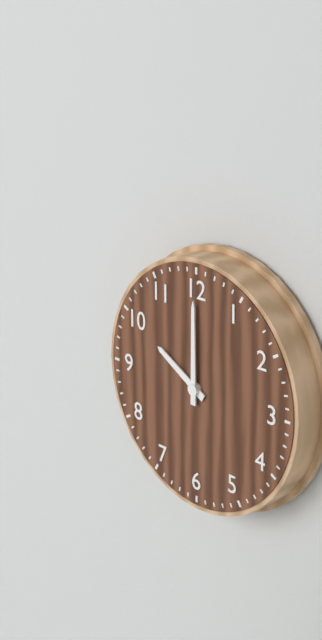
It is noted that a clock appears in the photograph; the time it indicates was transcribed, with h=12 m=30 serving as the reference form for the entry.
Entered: h=10 m=0
